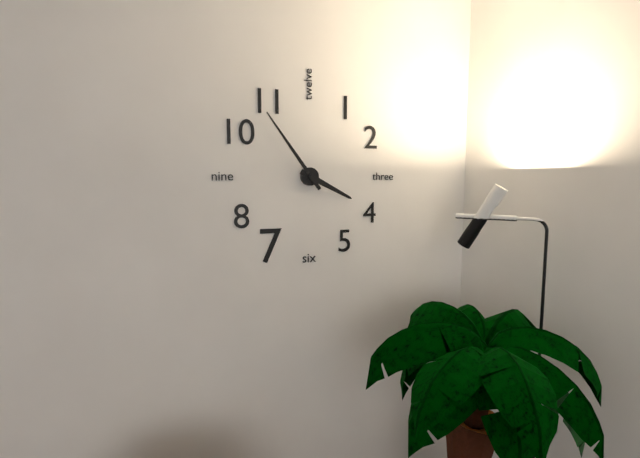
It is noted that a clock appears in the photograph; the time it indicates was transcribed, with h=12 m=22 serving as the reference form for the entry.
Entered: h=3 m=54
